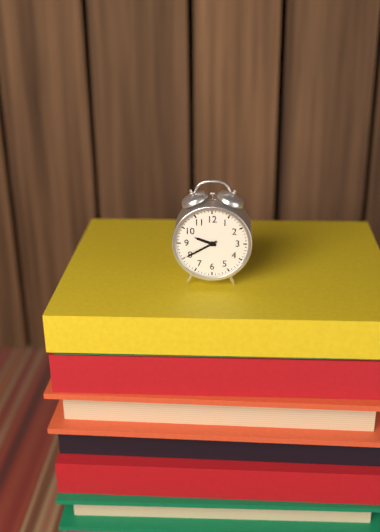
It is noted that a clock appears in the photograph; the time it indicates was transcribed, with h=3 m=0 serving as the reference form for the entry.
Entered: h=9 m=40
